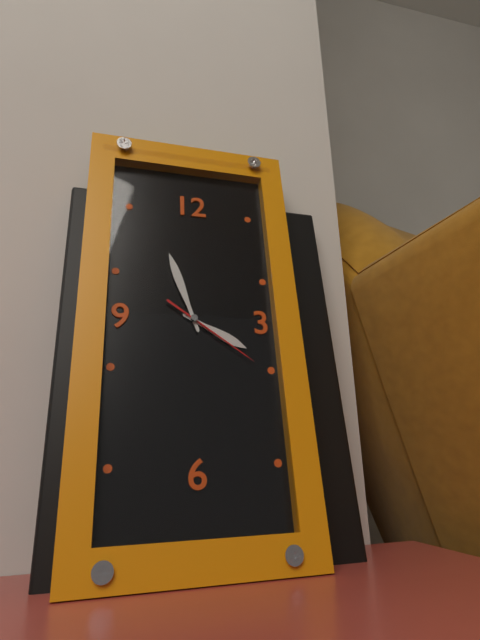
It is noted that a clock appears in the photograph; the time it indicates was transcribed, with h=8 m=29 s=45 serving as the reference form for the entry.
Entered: h=3 m=57 s=21
